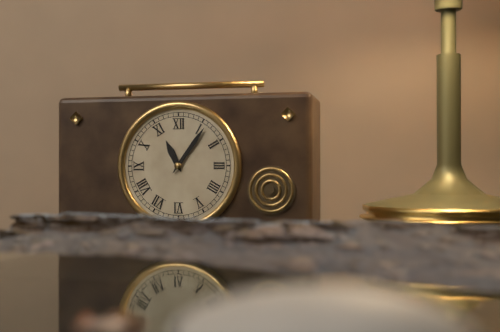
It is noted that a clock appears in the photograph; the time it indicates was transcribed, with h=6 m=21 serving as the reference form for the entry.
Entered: h=11 m=6
